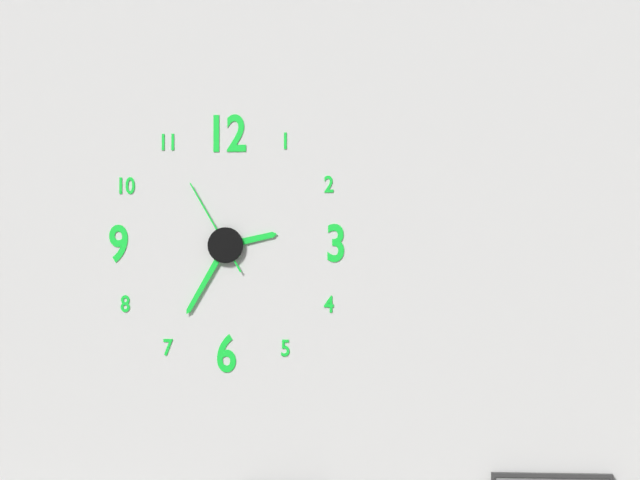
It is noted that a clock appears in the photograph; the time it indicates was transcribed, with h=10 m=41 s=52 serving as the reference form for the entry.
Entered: h=2 m=35 s=55
